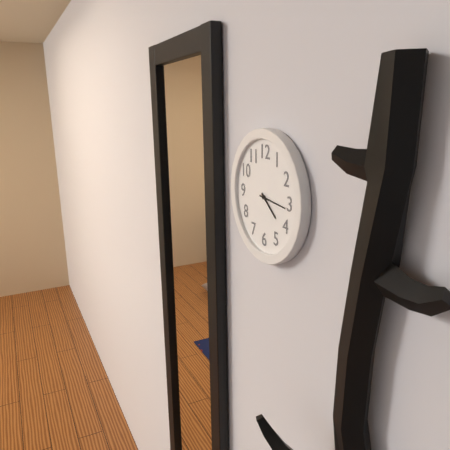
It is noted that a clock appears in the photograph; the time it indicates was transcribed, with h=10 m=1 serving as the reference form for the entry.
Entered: h=4 m=16
